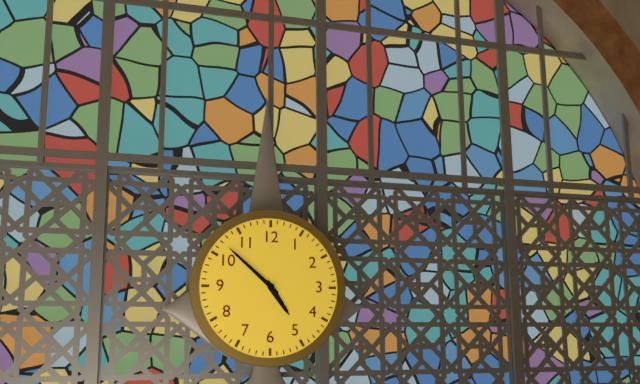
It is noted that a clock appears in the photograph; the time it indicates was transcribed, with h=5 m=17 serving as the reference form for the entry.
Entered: h=4 m=52
